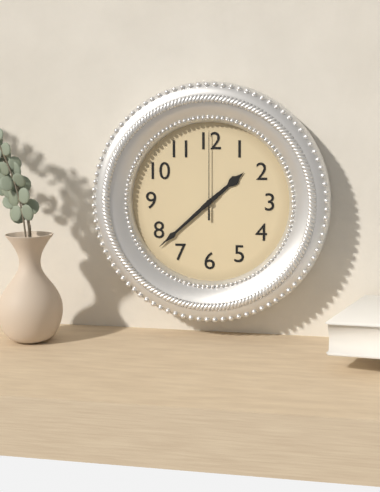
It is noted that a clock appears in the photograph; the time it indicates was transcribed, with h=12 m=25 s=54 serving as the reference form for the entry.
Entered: h=1 m=38 s=0
